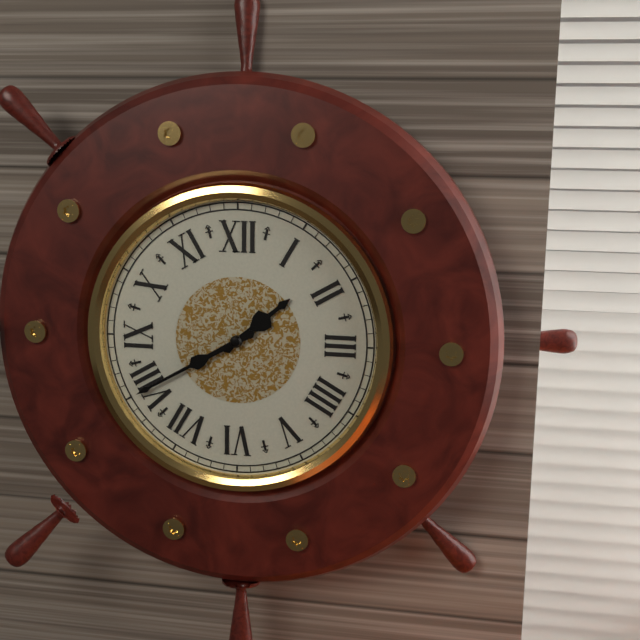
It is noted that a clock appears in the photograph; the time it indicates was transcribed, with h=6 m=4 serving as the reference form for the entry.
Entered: h=1 m=40
